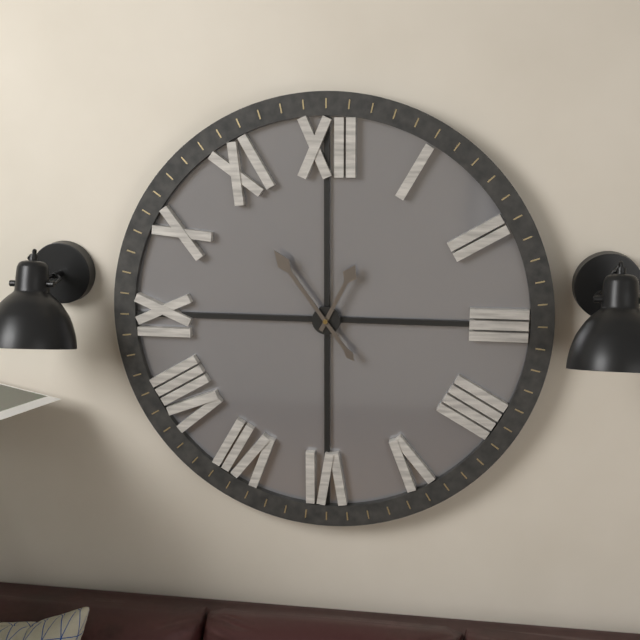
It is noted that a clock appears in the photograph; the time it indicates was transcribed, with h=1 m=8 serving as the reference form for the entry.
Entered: h=12 m=54
